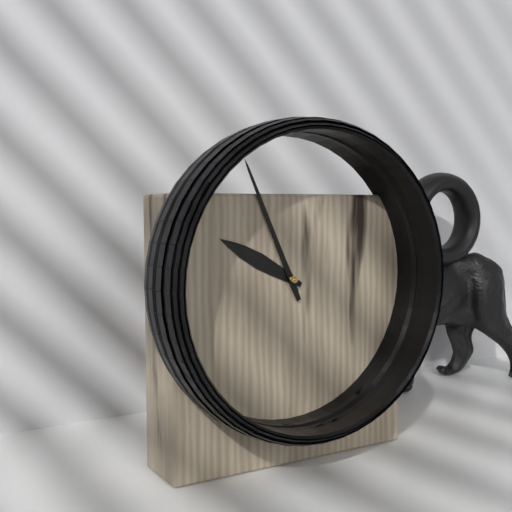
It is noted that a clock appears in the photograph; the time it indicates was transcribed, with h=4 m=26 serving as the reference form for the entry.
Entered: h=9 m=56
